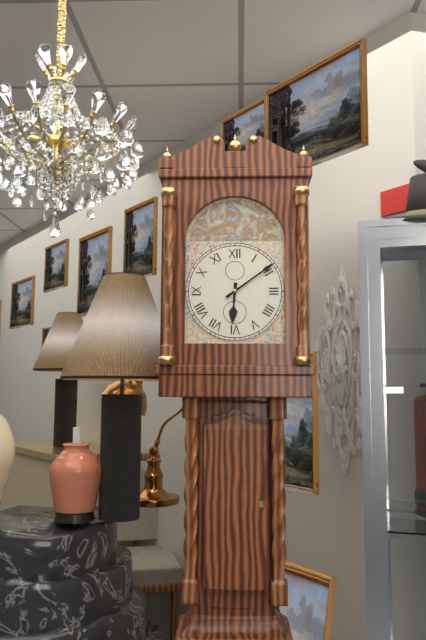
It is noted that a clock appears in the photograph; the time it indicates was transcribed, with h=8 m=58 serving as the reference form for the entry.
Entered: h=6 m=9
